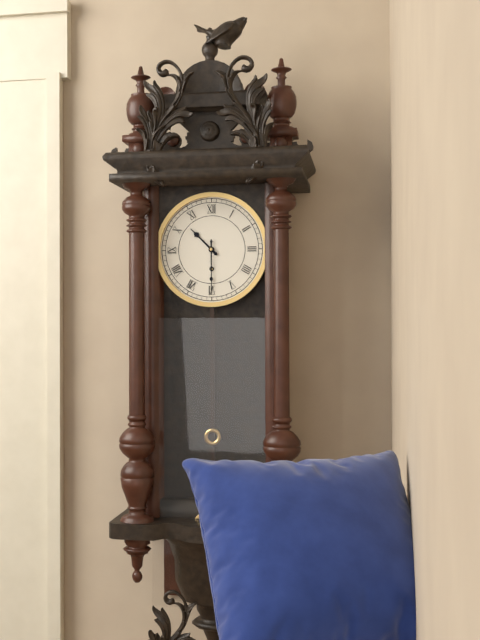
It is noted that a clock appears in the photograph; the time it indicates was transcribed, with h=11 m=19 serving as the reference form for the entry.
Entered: h=10 m=30
